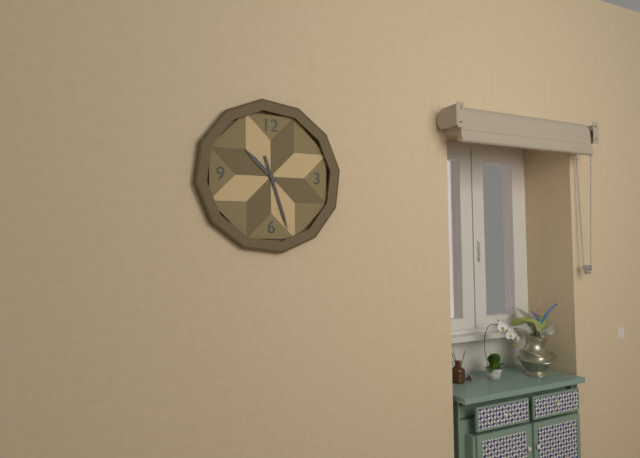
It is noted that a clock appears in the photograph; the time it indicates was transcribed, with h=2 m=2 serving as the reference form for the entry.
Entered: h=10 m=27
